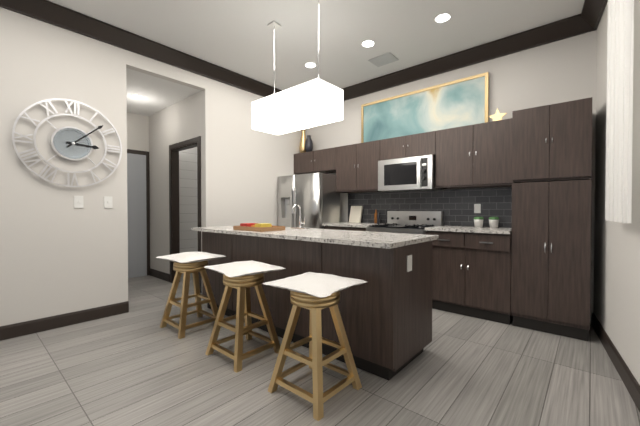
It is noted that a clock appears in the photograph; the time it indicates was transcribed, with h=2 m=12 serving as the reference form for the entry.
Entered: h=3 m=8
